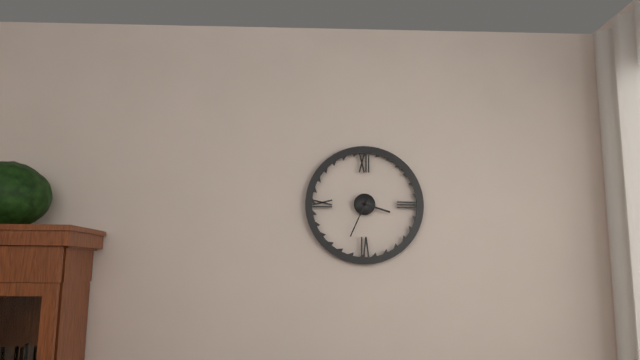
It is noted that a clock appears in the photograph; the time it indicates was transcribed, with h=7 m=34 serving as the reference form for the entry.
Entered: h=3 m=34
